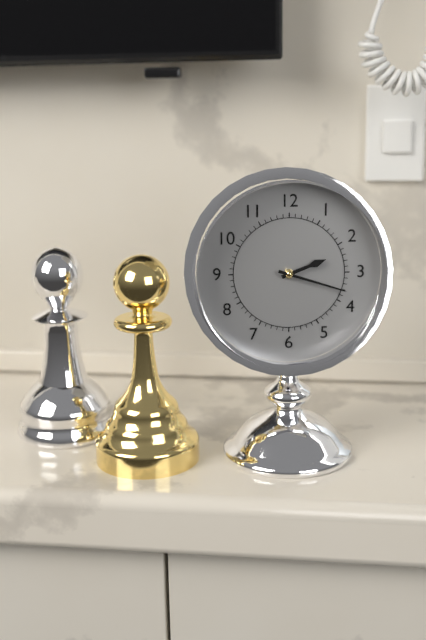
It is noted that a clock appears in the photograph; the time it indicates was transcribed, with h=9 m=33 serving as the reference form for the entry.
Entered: h=2 m=18
